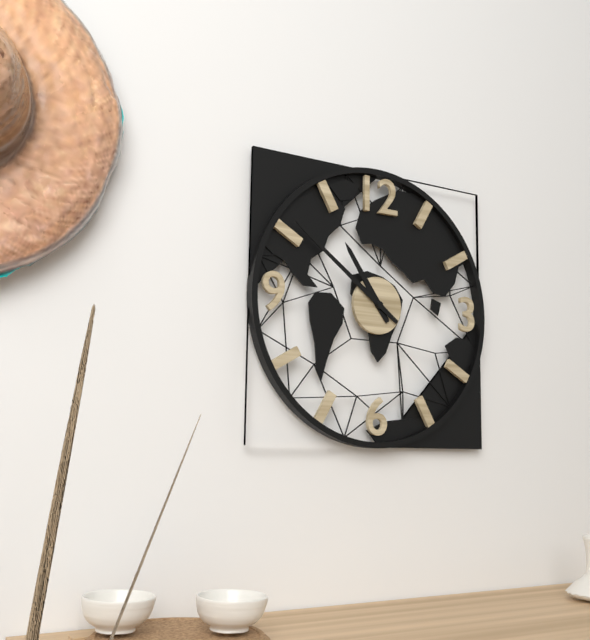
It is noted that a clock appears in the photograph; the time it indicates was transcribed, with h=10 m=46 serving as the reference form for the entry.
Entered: h=10 m=51
